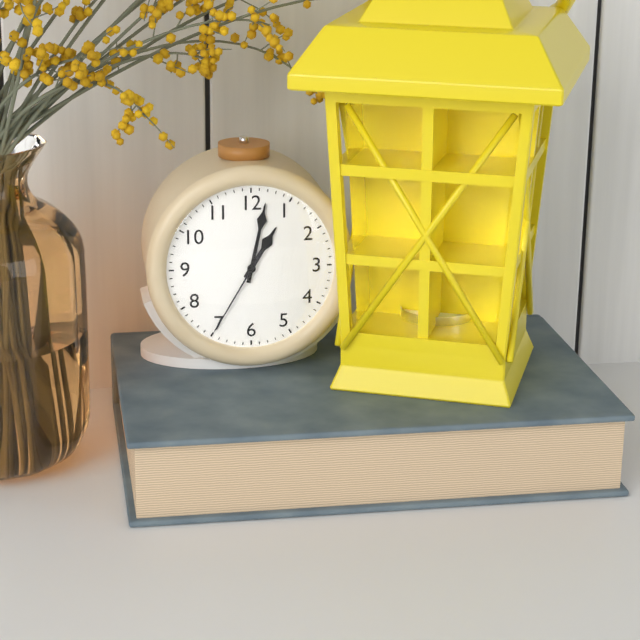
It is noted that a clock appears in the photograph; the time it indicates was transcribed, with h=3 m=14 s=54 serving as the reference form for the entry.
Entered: h=1 m=2 s=35
